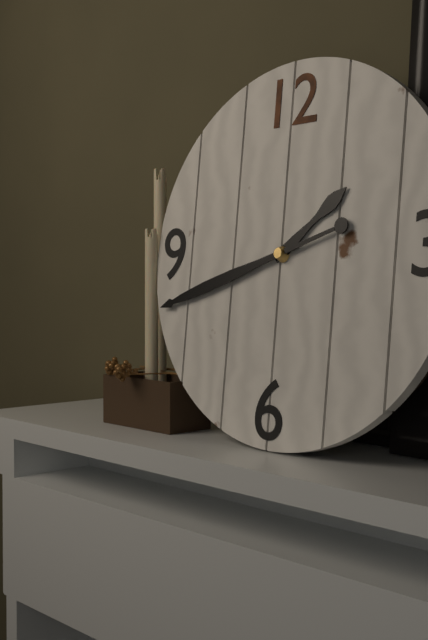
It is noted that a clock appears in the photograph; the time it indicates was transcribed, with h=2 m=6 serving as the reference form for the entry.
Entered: h=1 m=42
